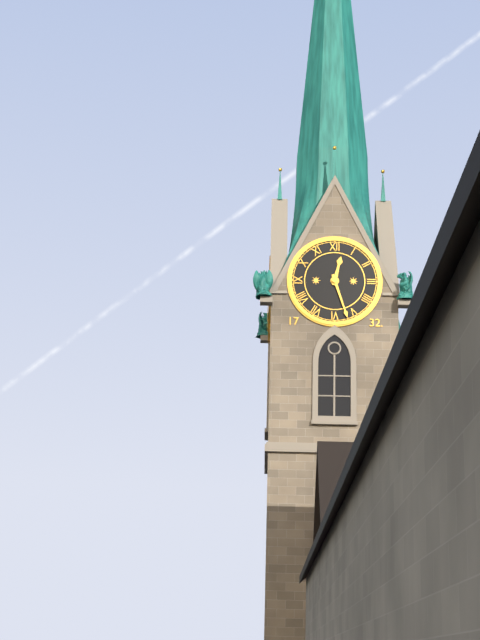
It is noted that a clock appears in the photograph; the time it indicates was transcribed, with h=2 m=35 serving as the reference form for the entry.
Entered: h=12 m=27
